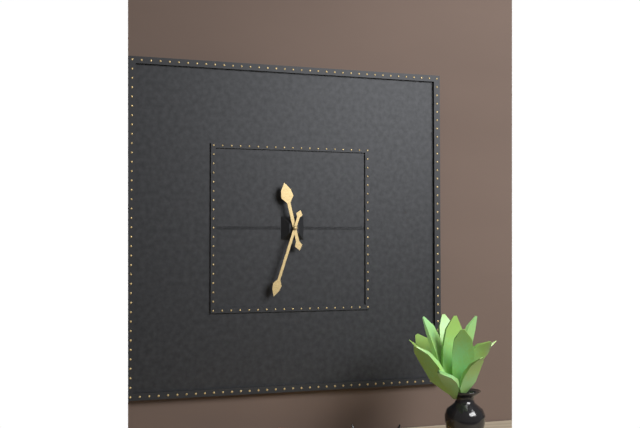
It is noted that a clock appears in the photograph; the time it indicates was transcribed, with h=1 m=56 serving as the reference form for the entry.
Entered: h=11 m=33
